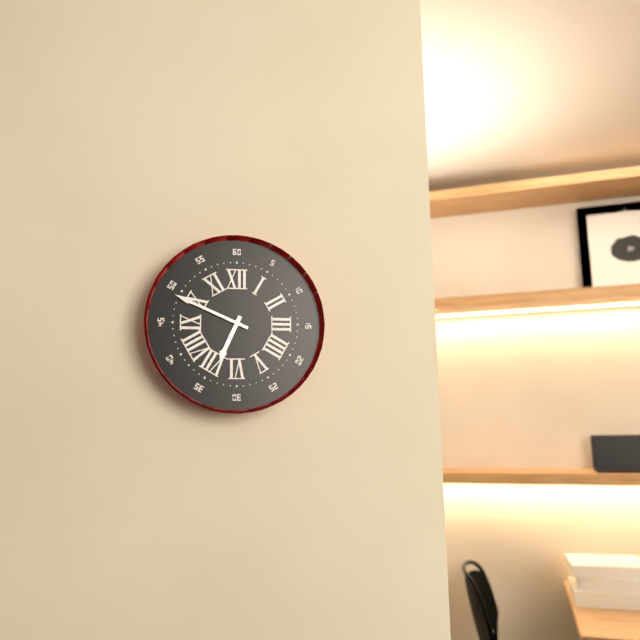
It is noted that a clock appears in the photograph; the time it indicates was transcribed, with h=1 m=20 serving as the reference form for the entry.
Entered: h=6 m=49
